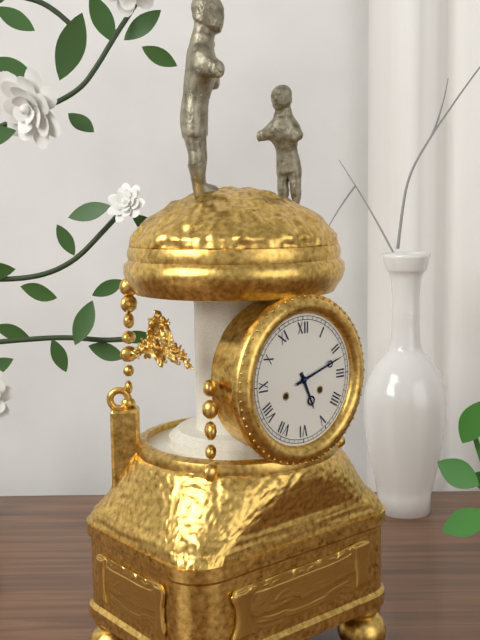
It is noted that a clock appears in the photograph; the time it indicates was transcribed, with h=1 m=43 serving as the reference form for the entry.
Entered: h=5 m=12
